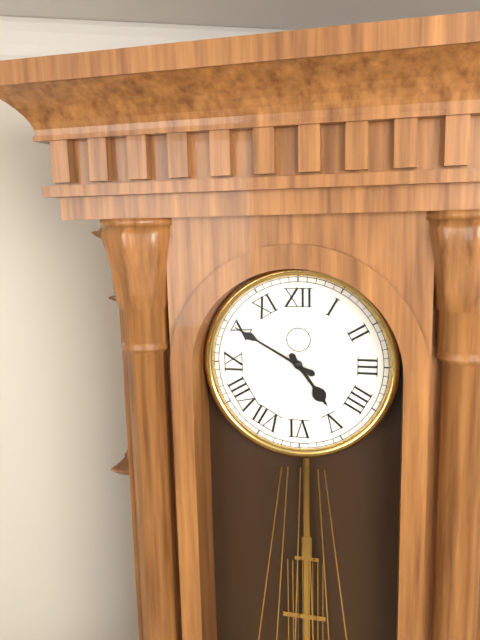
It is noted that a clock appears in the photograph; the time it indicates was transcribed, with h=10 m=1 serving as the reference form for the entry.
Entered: h=4 m=50
